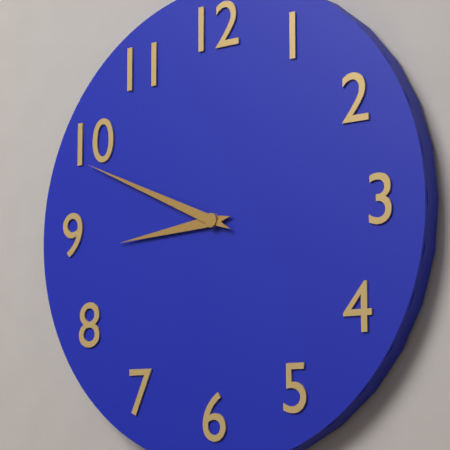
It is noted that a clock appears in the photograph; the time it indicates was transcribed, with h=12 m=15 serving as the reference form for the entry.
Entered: h=8 m=49
